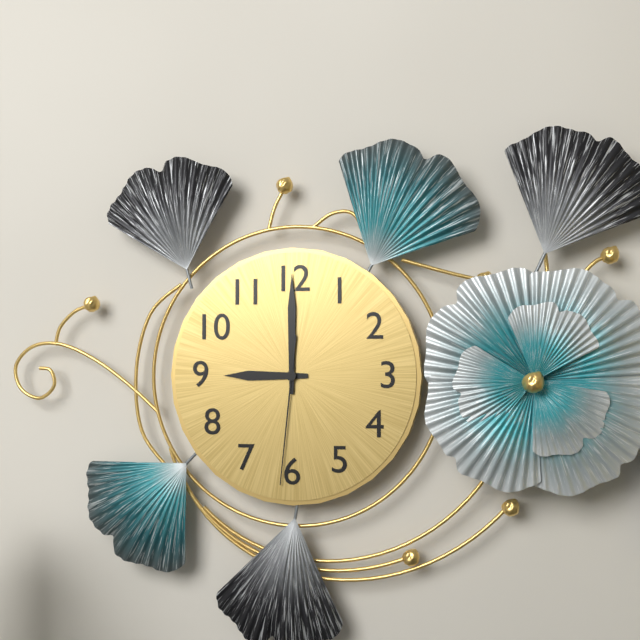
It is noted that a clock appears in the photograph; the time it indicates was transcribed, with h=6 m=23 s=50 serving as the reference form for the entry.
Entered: h=9 m=0 s=31
